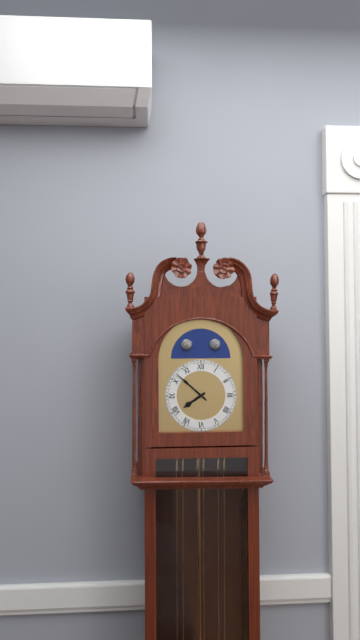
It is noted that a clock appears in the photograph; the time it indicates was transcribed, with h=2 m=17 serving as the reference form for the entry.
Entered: h=7 m=52
